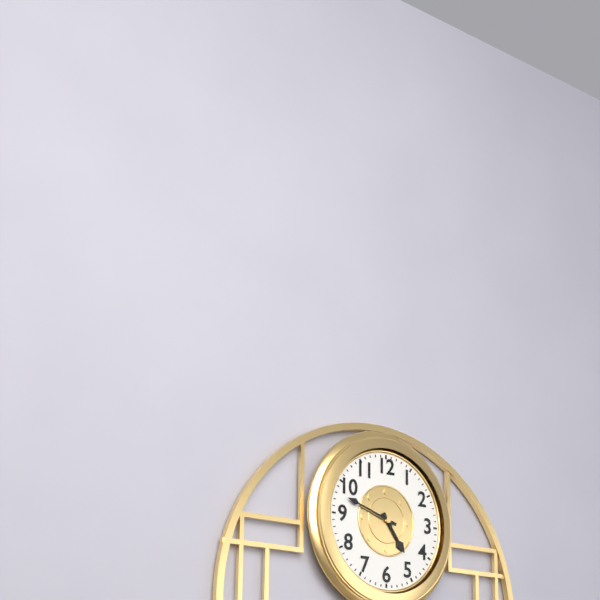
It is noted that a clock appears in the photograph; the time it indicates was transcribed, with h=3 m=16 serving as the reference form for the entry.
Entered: h=4 m=48
